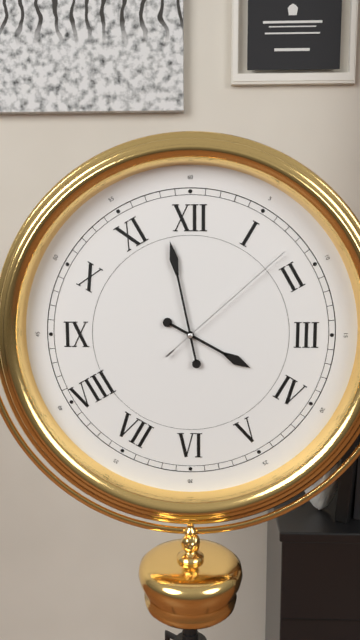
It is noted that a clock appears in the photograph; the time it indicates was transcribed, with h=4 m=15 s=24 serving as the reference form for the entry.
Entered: h=3 m=58 s=8
